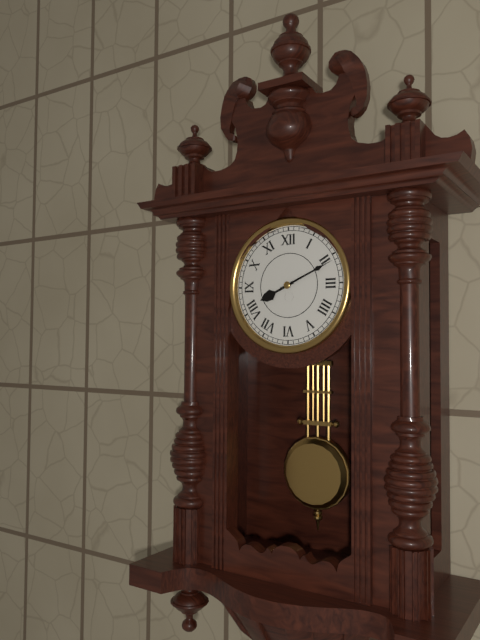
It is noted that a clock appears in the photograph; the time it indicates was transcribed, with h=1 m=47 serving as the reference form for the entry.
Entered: h=8 m=11
